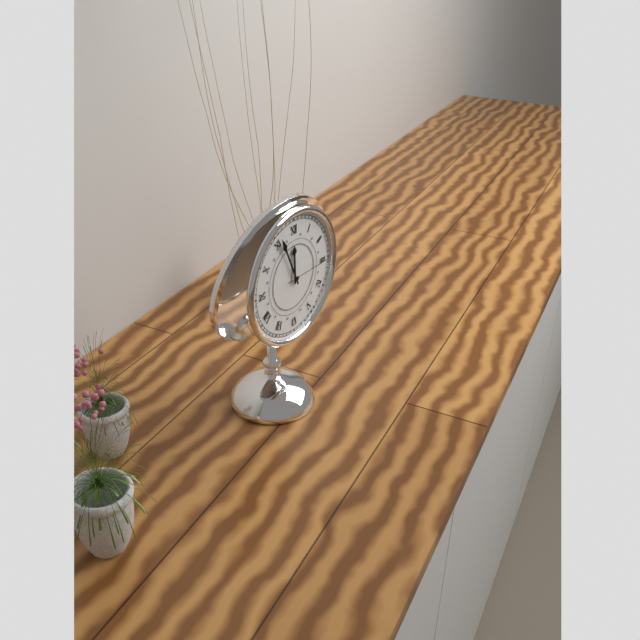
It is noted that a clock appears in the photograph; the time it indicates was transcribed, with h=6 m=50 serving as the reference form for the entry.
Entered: h=11 m=56
